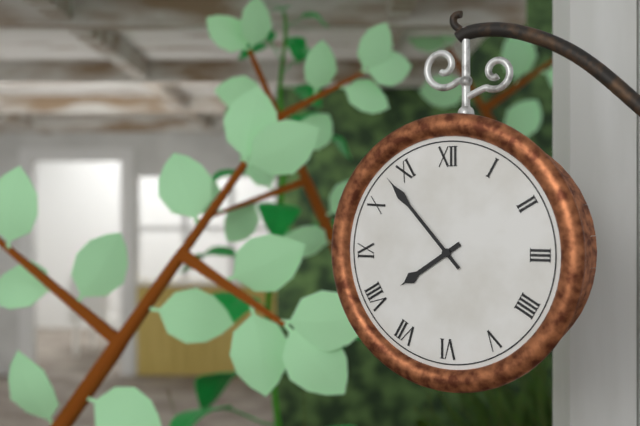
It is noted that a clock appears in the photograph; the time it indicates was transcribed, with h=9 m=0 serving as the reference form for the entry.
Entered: h=7 m=53
